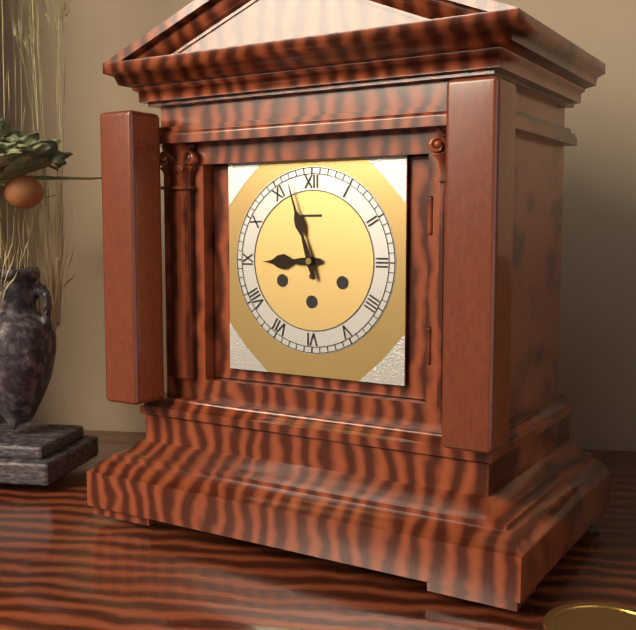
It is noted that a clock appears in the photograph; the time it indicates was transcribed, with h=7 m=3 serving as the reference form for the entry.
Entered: h=8 m=57
